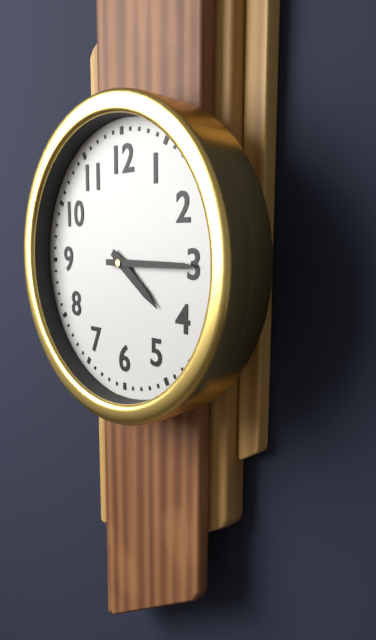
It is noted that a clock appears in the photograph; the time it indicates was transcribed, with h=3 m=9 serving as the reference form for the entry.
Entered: h=4 m=15
